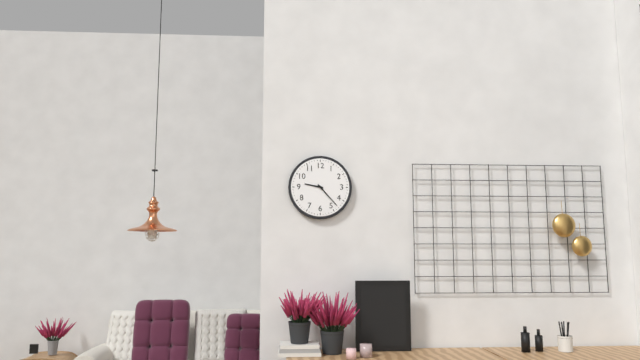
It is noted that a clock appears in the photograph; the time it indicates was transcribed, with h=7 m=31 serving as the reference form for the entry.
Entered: h=9 m=23
